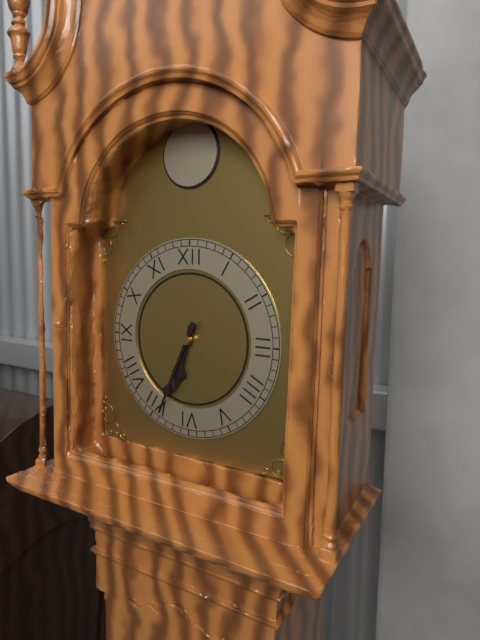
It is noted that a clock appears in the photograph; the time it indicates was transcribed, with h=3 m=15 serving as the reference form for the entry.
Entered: h=6 m=34
